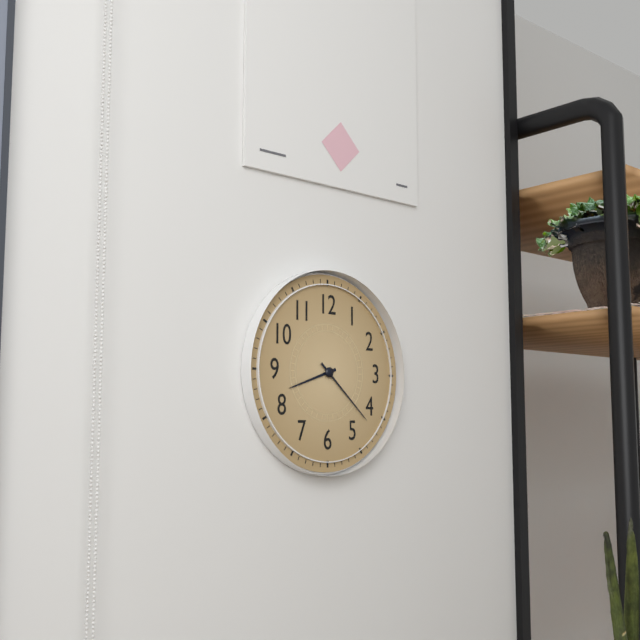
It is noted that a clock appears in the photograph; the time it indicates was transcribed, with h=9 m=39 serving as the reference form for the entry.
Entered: h=8 m=22
